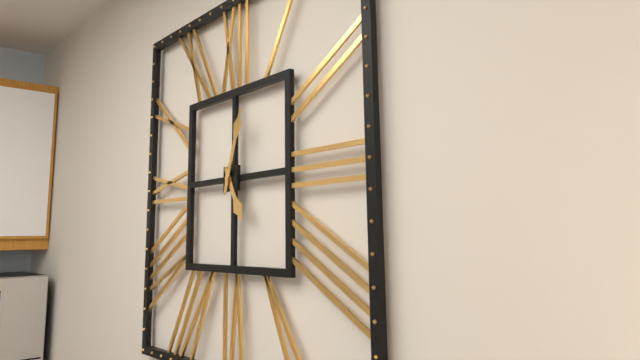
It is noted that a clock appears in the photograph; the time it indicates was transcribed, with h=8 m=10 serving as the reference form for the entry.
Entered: h=5 m=3
